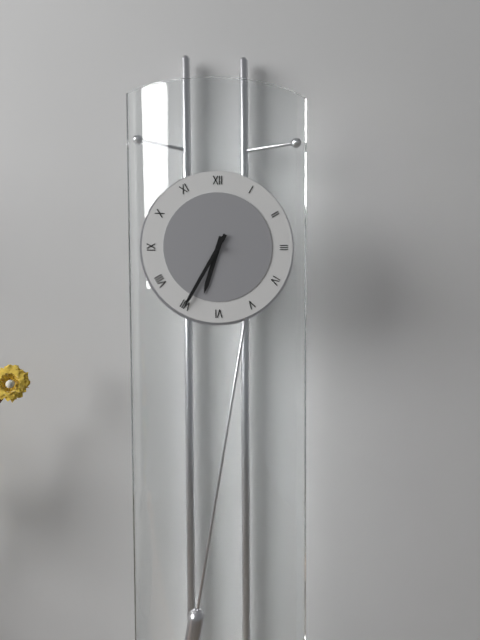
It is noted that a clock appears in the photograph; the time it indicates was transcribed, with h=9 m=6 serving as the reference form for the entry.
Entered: h=6 m=35
